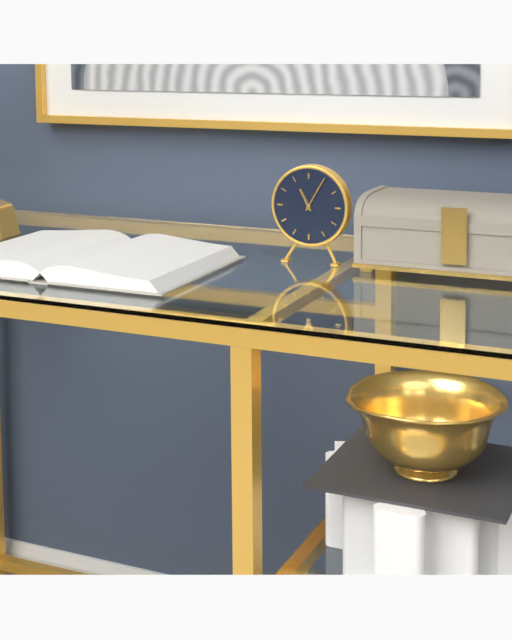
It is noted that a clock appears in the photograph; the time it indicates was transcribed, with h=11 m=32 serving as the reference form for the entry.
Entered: h=11 m=5
